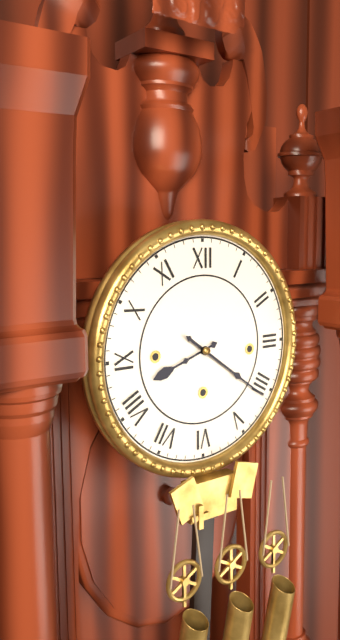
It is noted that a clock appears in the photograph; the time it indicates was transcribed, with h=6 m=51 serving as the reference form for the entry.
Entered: h=8 m=21
